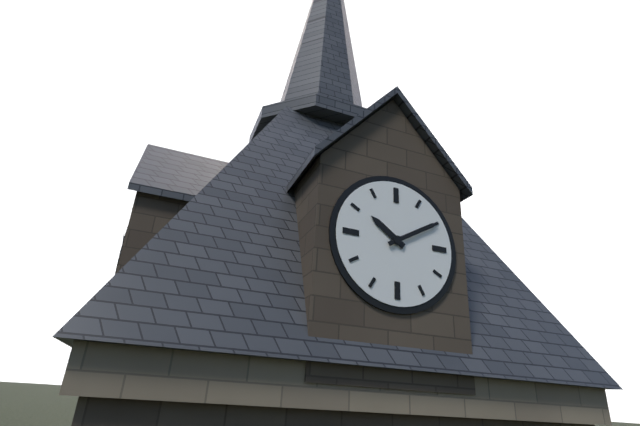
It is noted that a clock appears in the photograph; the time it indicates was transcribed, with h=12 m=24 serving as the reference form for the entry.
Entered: h=10 m=10
